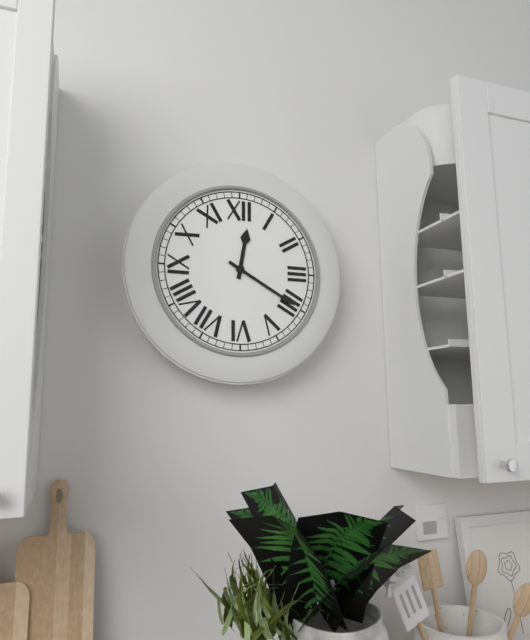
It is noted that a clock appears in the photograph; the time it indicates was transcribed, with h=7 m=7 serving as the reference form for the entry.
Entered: h=12 m=20
